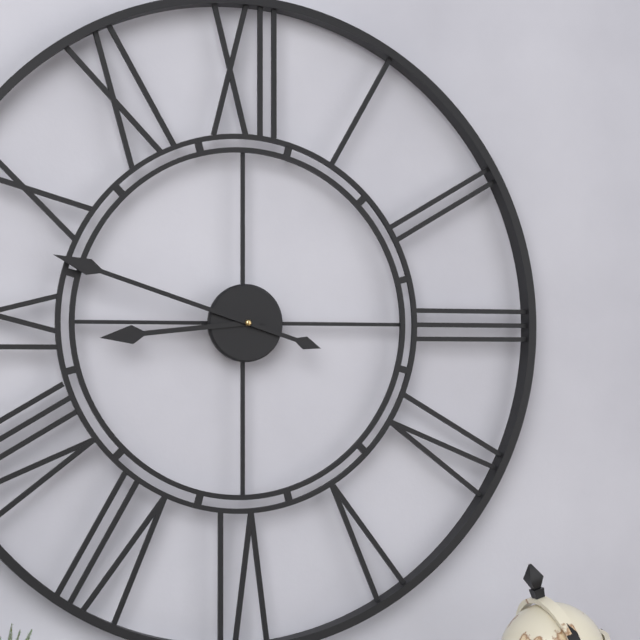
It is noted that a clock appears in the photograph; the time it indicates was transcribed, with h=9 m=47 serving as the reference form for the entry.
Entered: h=8 m=48
